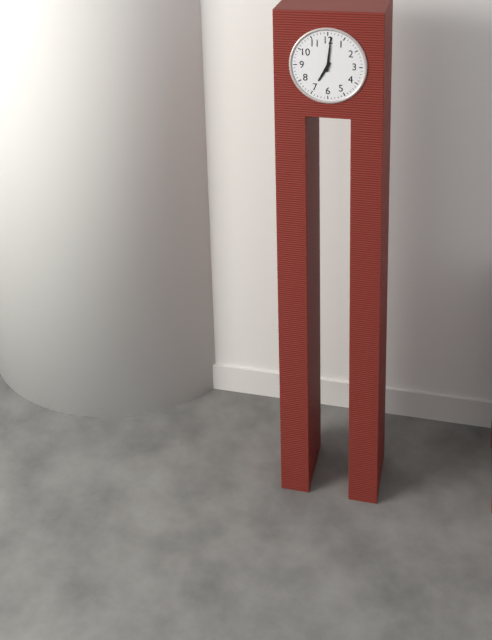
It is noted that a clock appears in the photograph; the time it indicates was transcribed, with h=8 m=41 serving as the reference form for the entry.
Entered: h=7 m=1
